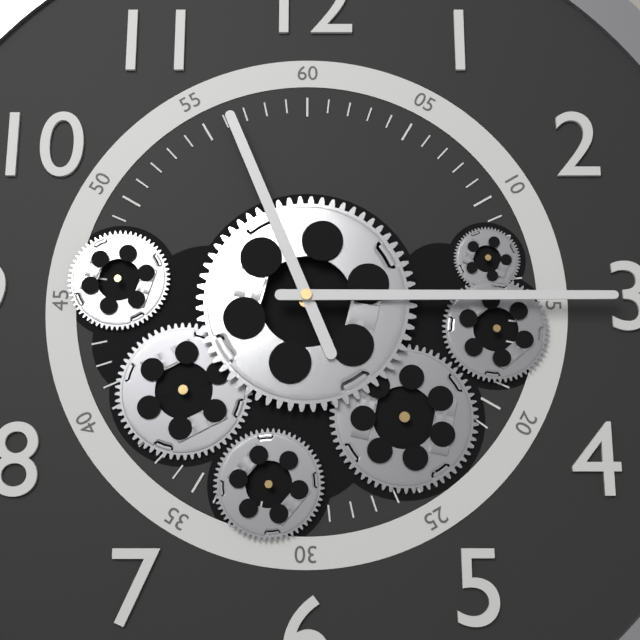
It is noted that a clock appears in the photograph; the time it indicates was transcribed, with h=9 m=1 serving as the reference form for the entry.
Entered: h=11 m=15
